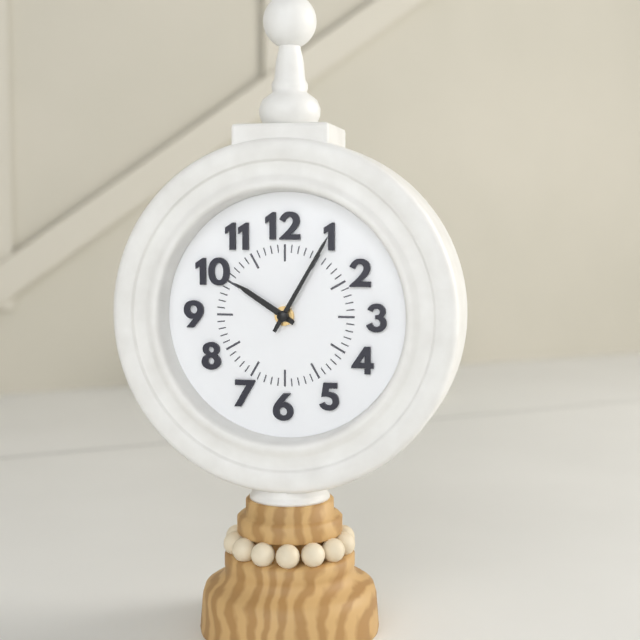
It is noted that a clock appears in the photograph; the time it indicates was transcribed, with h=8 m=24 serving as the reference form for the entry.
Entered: h=10 m=5
